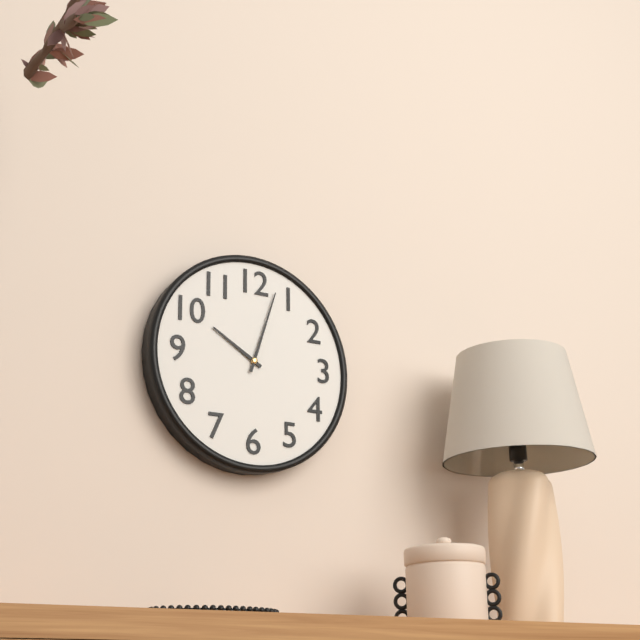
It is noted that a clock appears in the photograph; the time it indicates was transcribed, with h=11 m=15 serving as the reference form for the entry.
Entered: h=10 m=3
